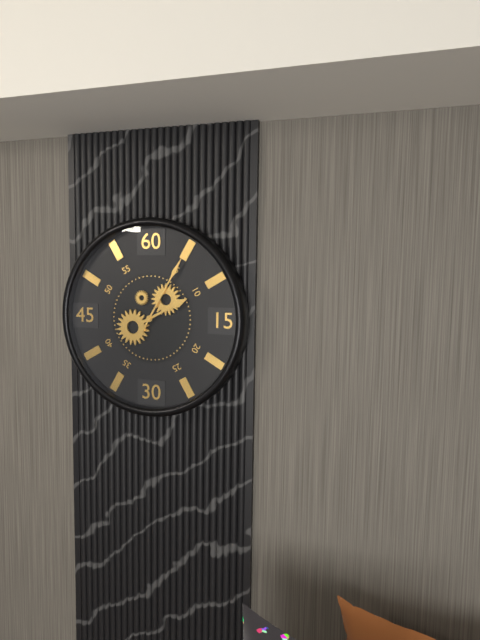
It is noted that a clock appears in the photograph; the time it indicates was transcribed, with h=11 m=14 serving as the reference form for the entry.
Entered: h=2 m=5
